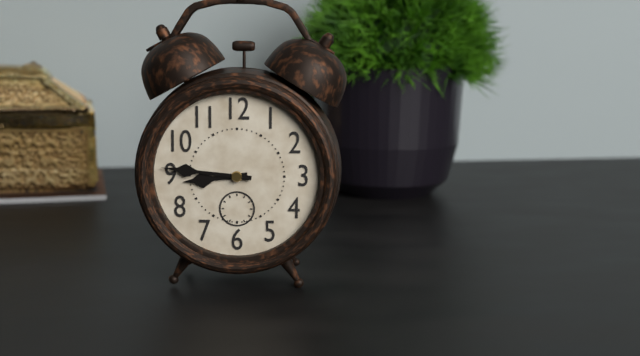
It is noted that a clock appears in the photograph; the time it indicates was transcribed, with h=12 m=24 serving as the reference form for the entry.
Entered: h=8 m=46
